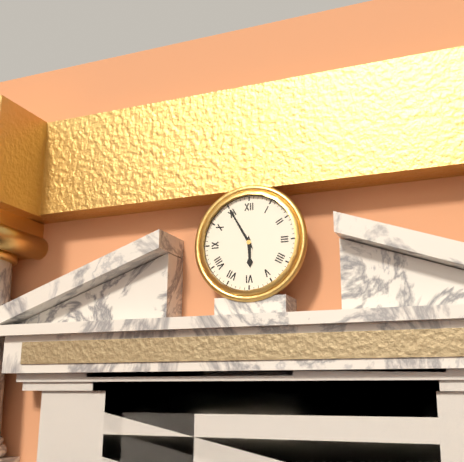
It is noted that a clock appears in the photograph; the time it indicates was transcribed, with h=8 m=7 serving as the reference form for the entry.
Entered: h=5 m=55
